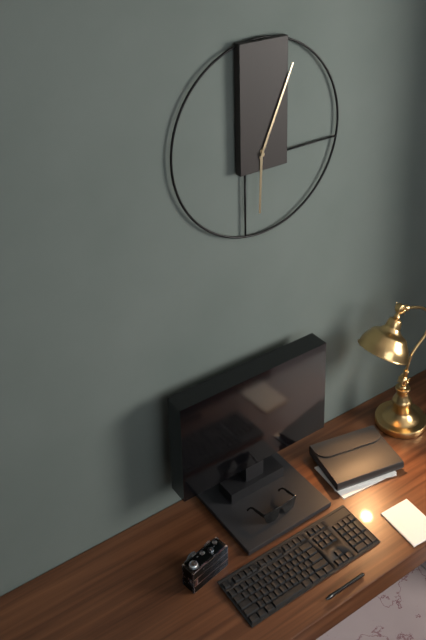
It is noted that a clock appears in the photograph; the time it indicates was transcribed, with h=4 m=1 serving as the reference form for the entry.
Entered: h=6 m=4
